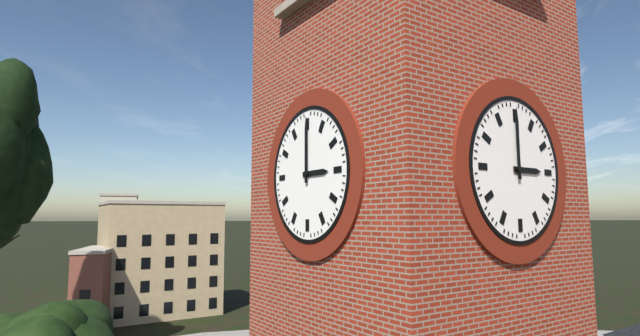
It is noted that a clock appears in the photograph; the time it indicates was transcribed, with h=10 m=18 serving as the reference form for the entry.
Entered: h=3 m=0
